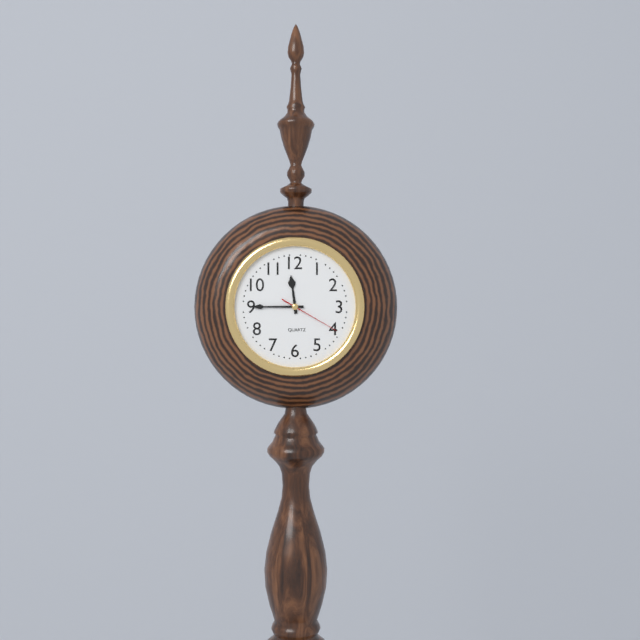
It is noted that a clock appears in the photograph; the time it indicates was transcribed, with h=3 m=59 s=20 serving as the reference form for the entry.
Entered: h=11 m=45 s=20
